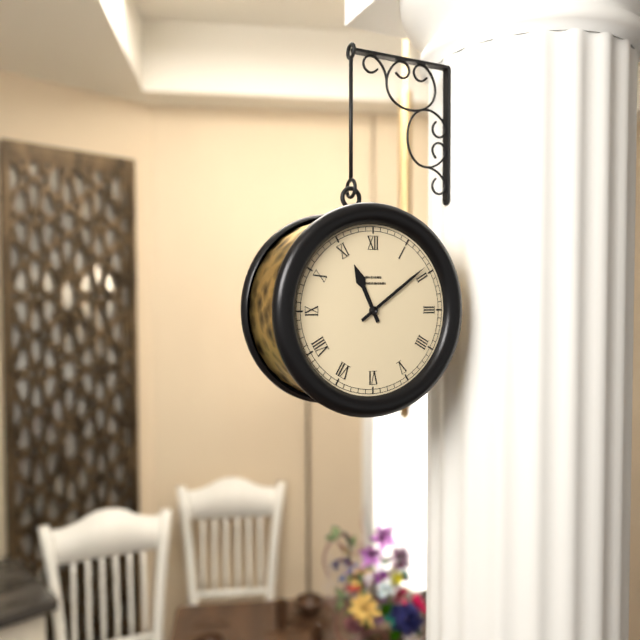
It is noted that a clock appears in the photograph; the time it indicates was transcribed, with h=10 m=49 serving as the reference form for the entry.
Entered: h=11 m=9
